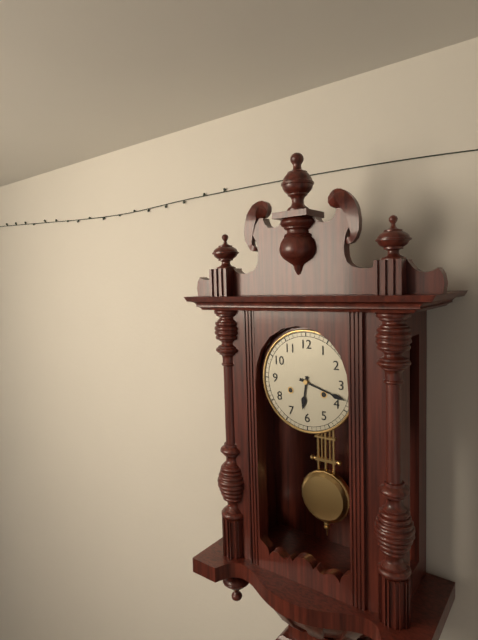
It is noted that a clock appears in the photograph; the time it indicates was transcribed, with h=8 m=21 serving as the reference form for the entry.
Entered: h=6 m=18
